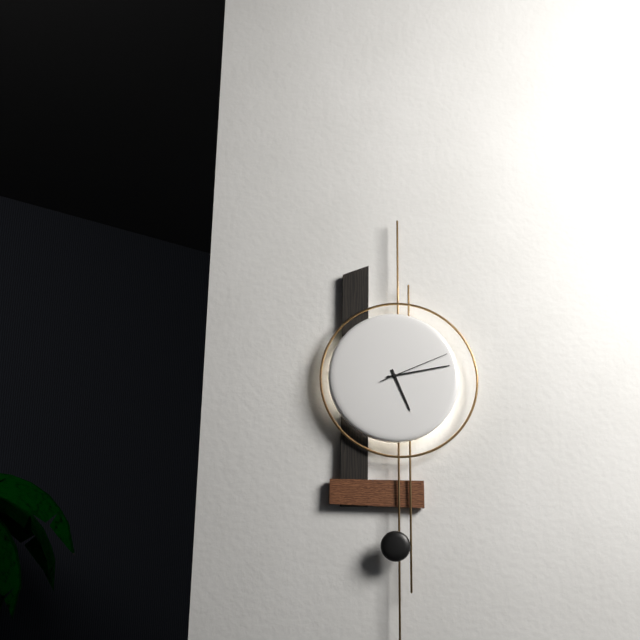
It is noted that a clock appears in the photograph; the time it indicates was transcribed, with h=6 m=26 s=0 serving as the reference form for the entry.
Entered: h=5 m=13 s=11
